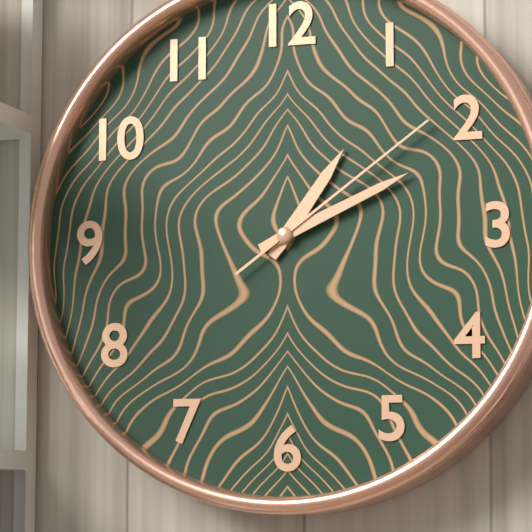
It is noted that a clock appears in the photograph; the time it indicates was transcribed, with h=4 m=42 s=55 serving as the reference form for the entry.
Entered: h=1 m=11 s=9
